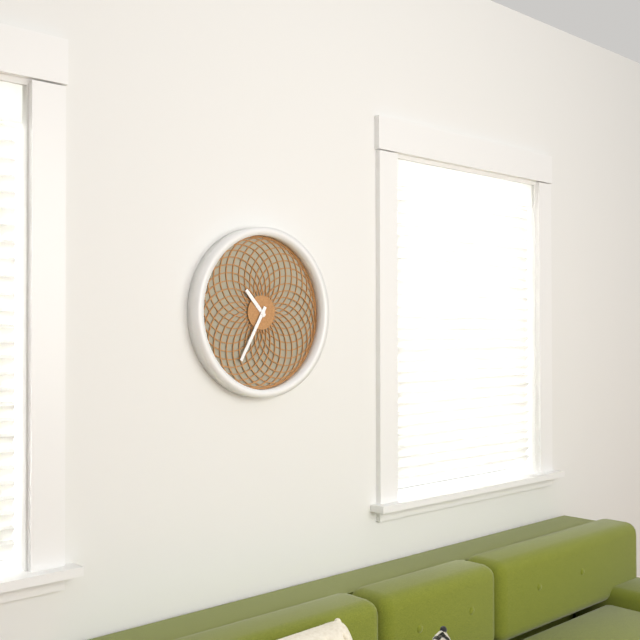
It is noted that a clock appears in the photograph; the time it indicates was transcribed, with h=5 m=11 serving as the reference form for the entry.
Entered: h=10 m=35
